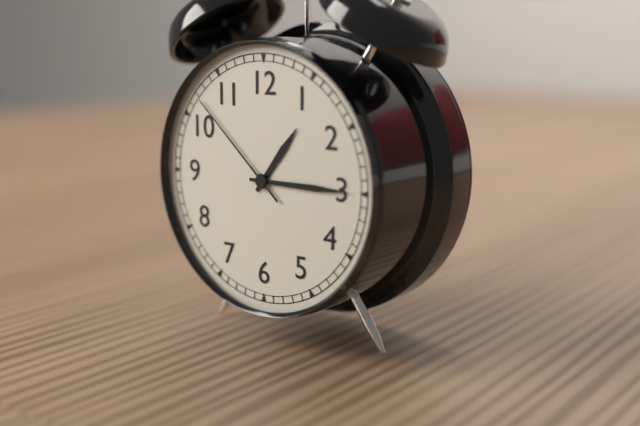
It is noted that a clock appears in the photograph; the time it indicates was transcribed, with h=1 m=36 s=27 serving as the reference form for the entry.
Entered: h=1 m=15 s=52
